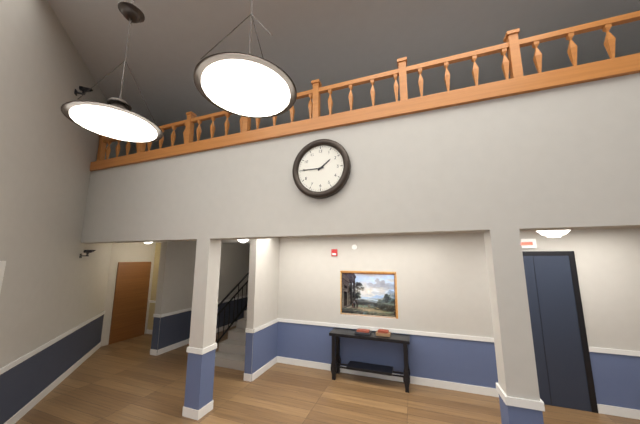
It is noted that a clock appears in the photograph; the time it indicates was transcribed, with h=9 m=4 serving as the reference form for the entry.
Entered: h=1 m=45
